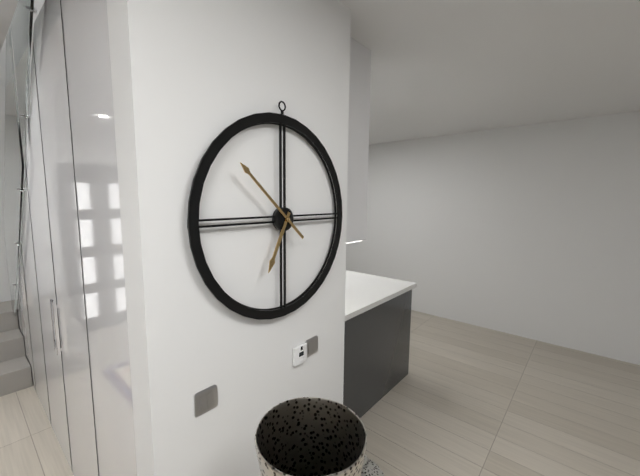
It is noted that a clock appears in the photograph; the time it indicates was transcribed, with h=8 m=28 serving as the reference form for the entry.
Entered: h=6 m=52
